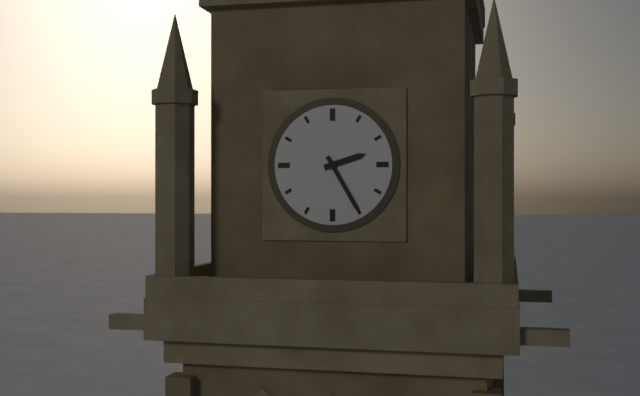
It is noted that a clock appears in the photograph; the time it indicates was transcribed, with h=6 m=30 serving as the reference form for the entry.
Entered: h=2 m=25
